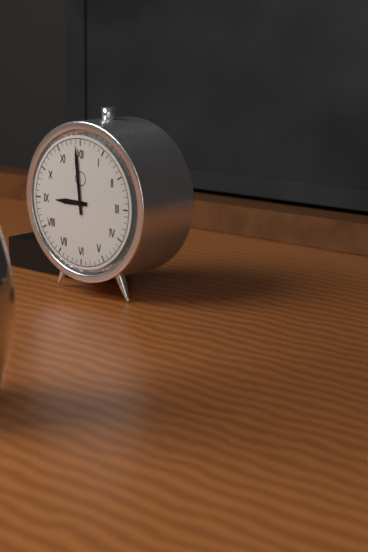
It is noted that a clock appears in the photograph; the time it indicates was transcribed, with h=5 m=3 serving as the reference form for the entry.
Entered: h=8 m=59
